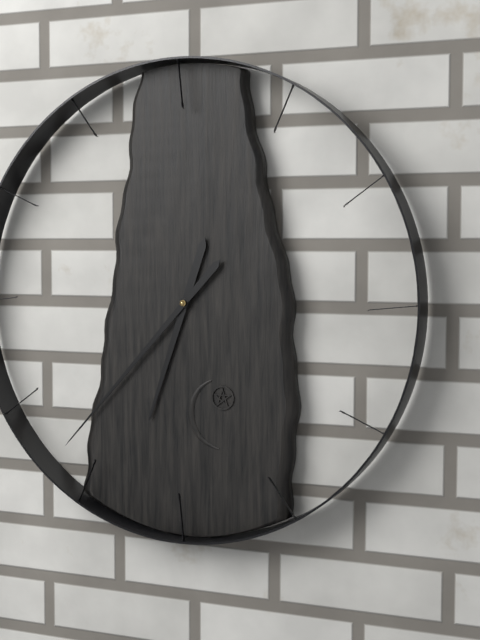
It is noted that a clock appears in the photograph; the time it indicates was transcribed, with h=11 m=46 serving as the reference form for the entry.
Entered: h=6 m=37
